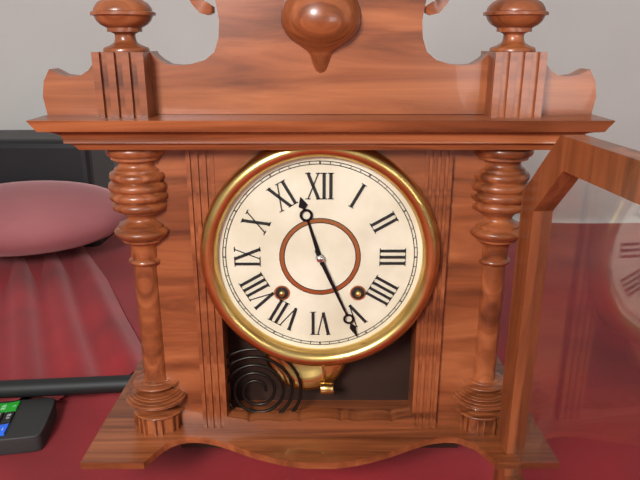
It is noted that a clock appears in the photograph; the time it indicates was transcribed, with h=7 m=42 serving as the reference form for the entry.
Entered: h=11 m=26
